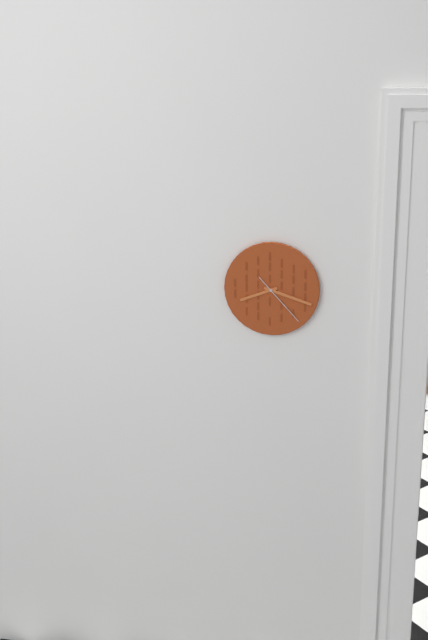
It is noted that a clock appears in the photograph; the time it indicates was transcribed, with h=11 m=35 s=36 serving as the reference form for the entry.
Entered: h=8 m=18 s=23
